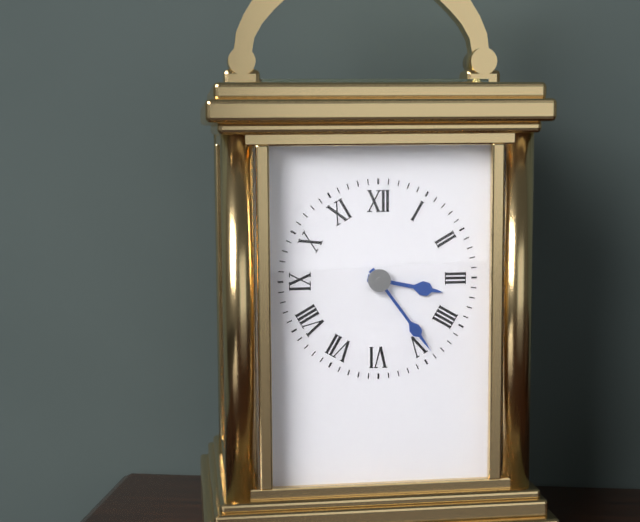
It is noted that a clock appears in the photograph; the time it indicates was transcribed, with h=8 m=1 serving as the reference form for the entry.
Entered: h=3 m=24
